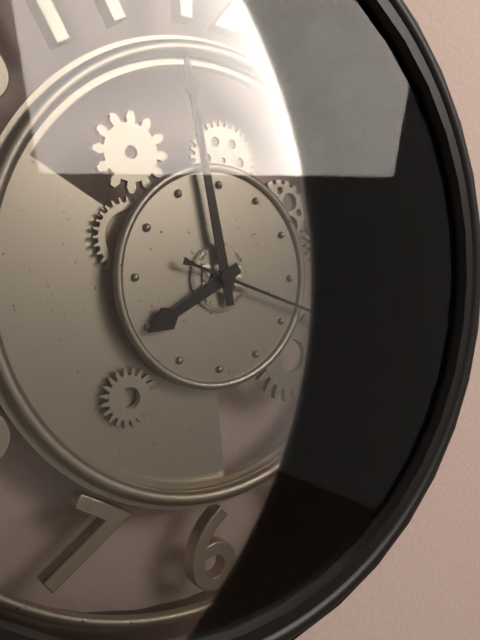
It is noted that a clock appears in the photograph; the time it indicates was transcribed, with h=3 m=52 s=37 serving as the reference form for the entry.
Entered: h=7 m=58 s=18
